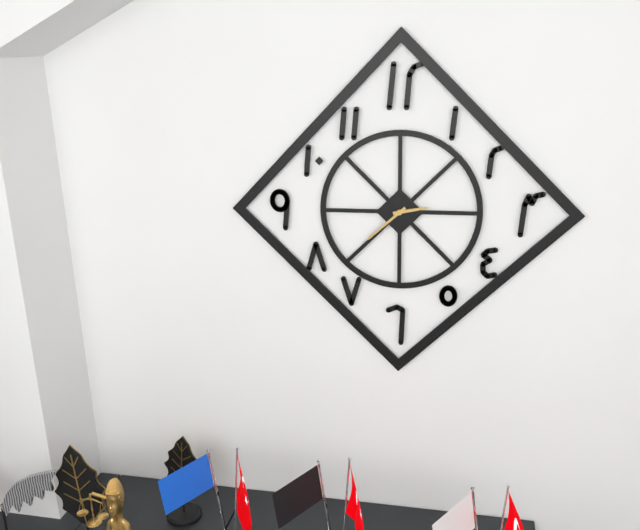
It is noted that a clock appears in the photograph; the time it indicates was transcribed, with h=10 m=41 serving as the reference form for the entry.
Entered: h=2 m=38
